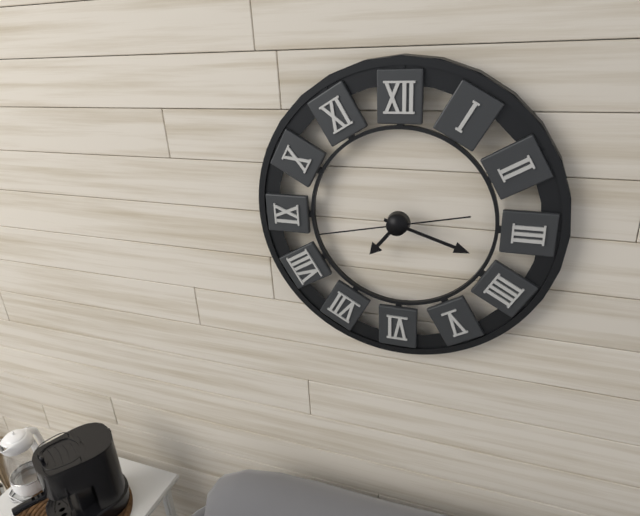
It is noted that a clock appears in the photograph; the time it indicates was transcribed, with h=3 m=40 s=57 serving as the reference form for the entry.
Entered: h=7 m=18 s=43
